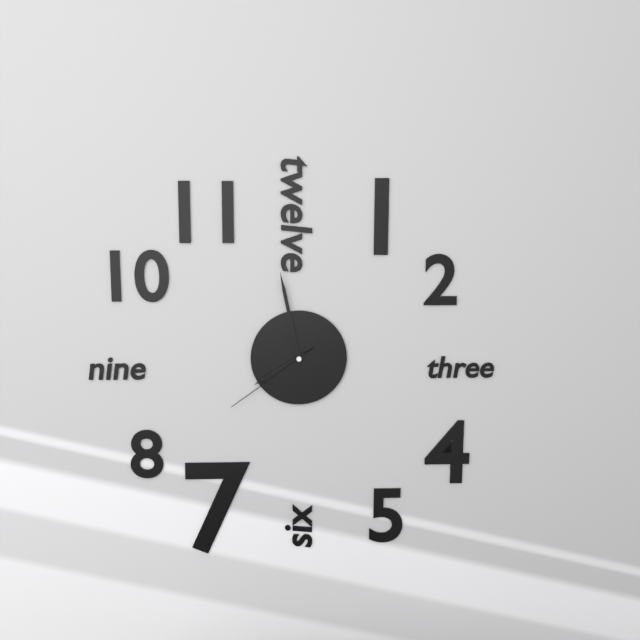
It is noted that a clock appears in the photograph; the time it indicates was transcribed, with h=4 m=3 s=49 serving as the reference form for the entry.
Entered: h=7 m=58 s=39
